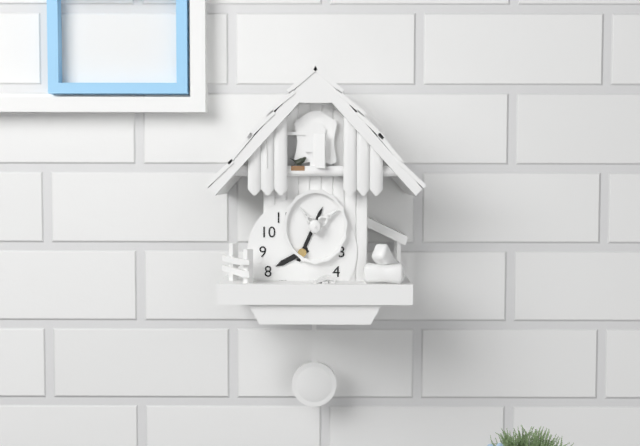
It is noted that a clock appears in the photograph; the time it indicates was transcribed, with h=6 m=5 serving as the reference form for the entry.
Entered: h=8 m=4
